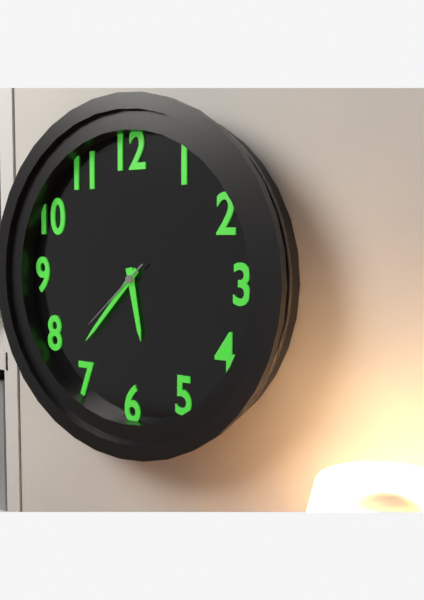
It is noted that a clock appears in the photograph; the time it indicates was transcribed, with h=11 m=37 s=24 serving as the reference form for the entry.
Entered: h=5 m=37 s=38
